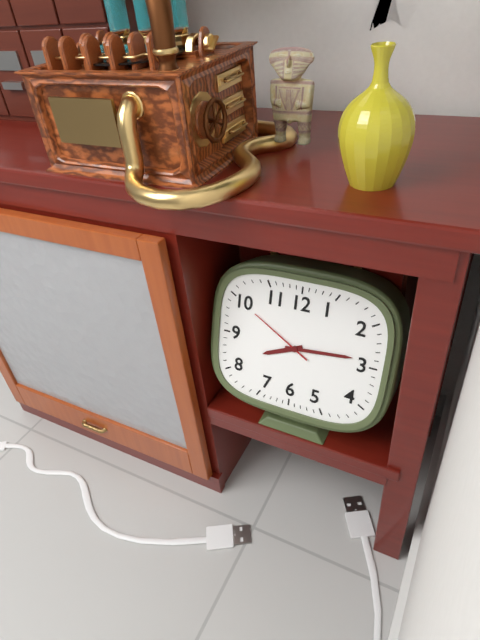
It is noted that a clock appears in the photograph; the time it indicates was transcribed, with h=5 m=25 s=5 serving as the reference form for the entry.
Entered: h=8 m=14 s=50
